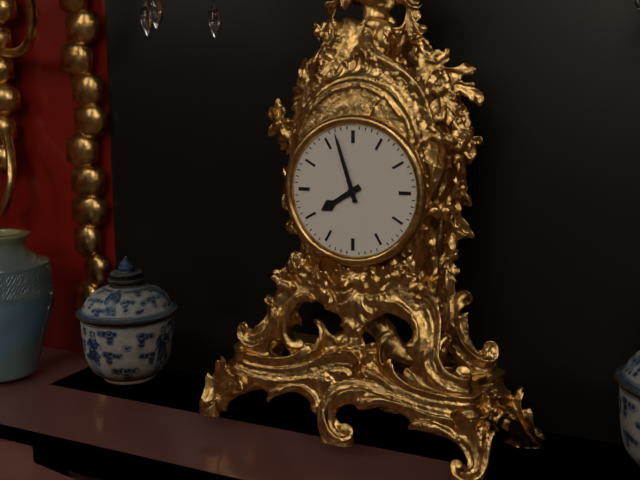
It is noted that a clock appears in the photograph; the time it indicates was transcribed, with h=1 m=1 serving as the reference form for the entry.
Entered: h=7 m=57
